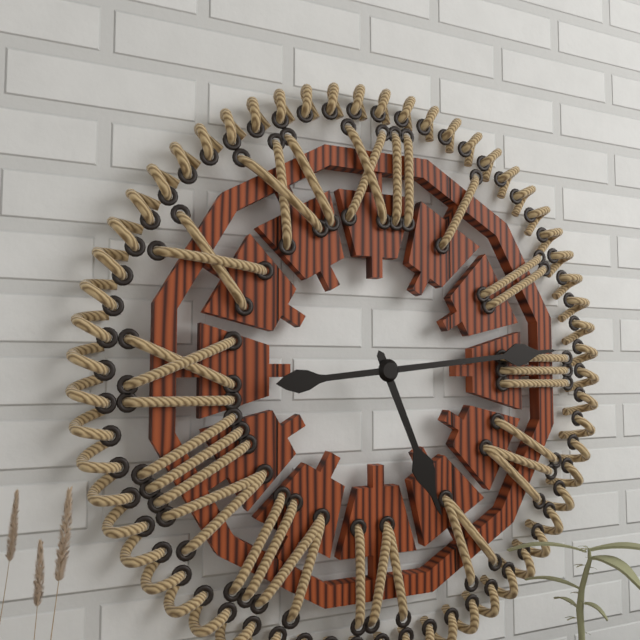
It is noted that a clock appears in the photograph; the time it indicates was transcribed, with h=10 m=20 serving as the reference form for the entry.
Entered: h=5 m=14
